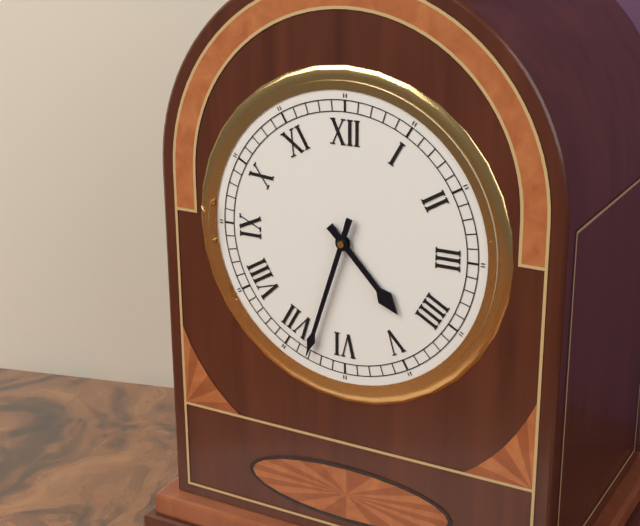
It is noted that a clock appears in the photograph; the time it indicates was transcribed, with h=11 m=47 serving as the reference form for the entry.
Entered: h=4 m=33
